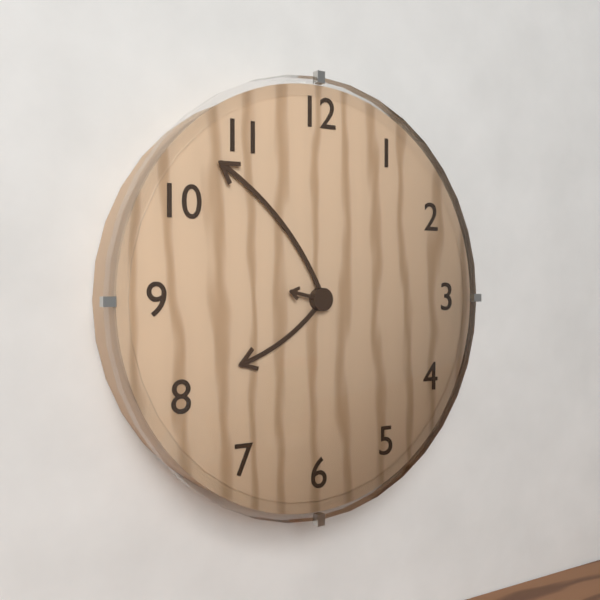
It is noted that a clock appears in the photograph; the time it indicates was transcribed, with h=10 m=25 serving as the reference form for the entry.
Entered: h=7 m=53
